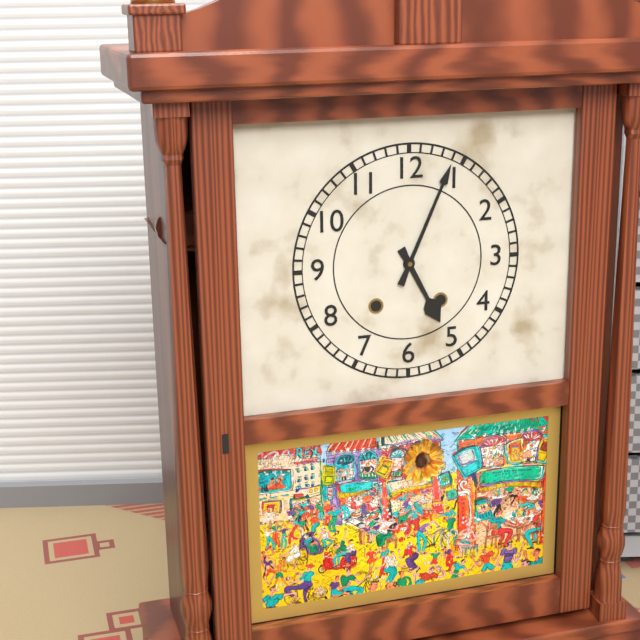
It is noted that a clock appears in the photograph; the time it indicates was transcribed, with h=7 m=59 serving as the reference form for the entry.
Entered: h=5 m=4
